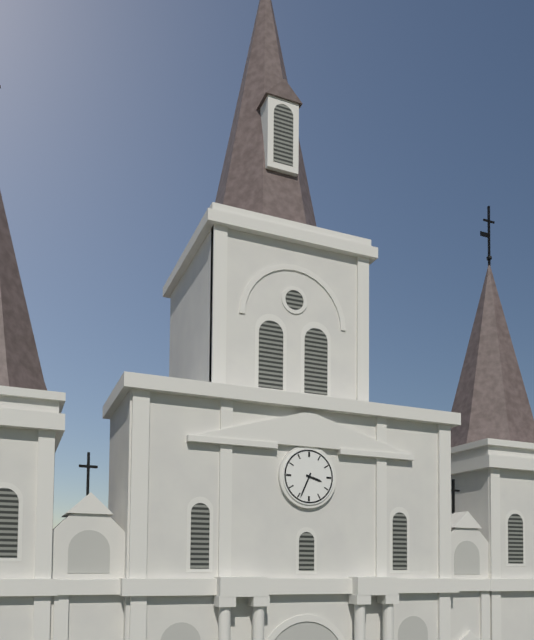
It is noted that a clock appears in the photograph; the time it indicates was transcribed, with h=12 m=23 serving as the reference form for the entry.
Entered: h=3 m=34
